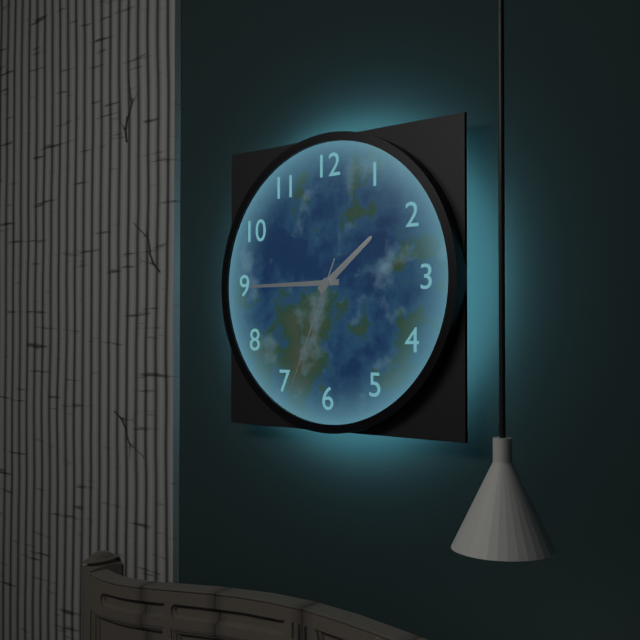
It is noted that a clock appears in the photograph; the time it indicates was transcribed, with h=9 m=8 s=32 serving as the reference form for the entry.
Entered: h=1 m=45 s=34
